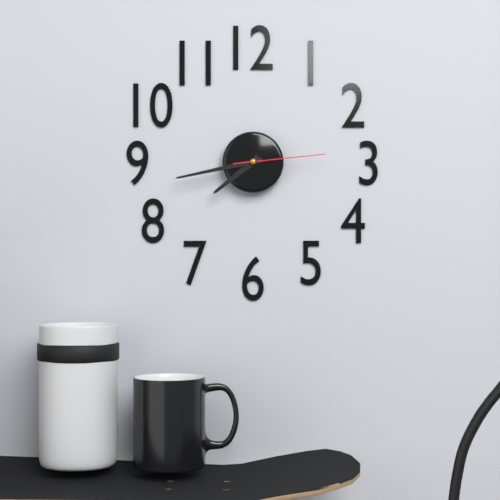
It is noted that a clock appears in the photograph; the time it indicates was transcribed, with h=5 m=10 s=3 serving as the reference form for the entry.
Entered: h=7 m=43 s=14
